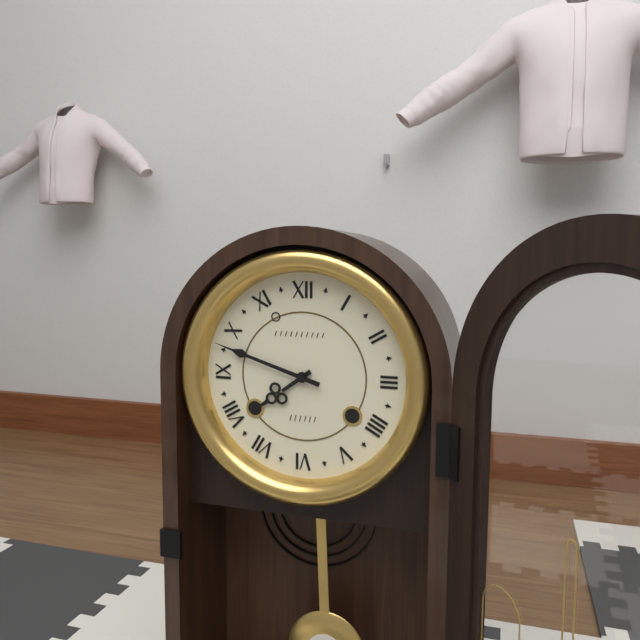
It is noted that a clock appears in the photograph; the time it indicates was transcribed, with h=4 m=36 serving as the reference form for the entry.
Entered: h=7 m=48
